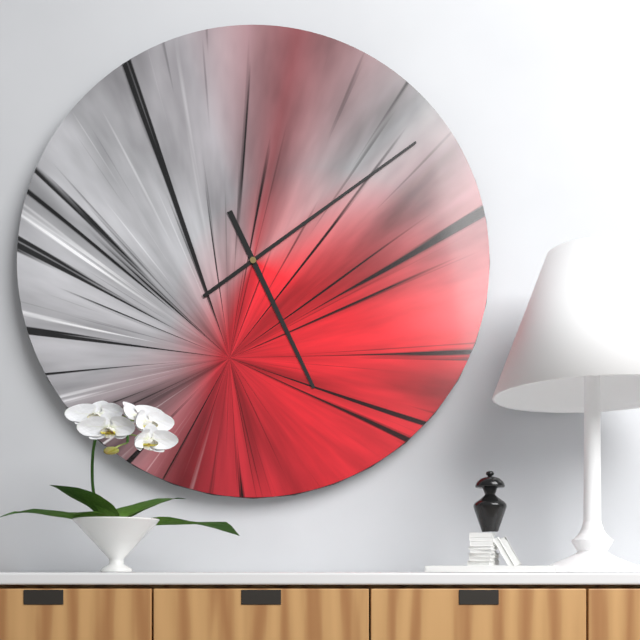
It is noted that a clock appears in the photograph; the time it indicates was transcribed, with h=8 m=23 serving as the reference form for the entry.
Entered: h=5 m=9
